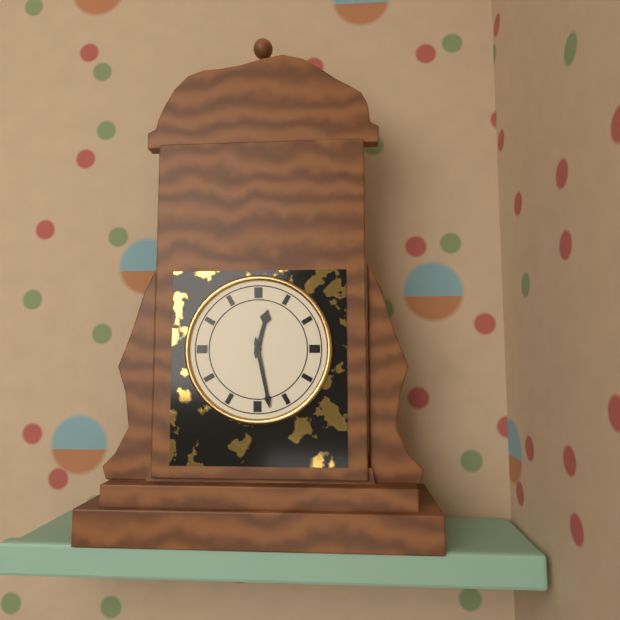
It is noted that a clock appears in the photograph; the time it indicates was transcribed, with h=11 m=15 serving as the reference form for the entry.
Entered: h=12 m=28
